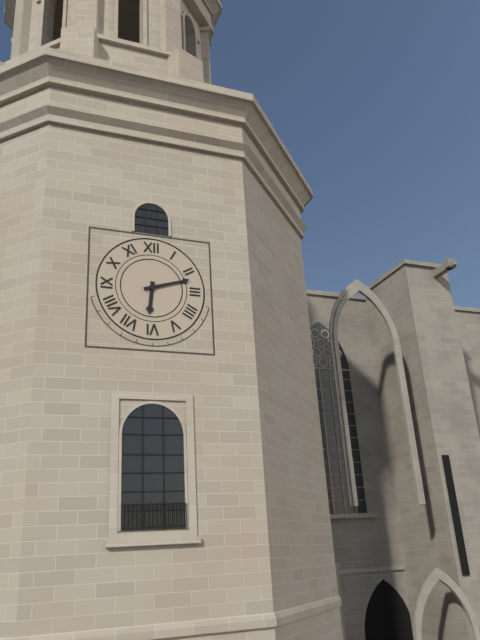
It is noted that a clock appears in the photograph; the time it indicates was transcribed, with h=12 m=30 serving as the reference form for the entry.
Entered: h=6 m=12
